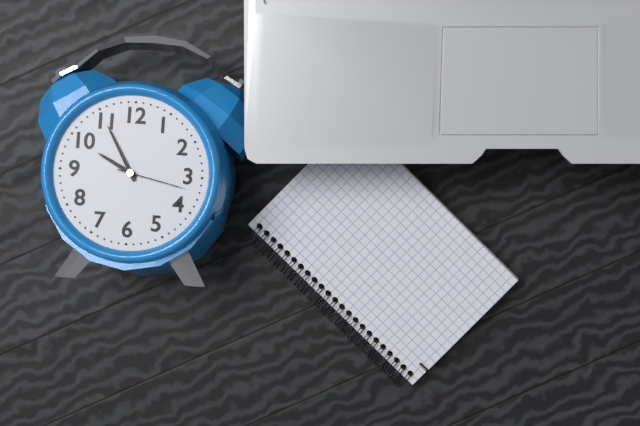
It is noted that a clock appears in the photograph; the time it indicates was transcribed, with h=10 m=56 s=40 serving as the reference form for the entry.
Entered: h=9 m=55 s=17
